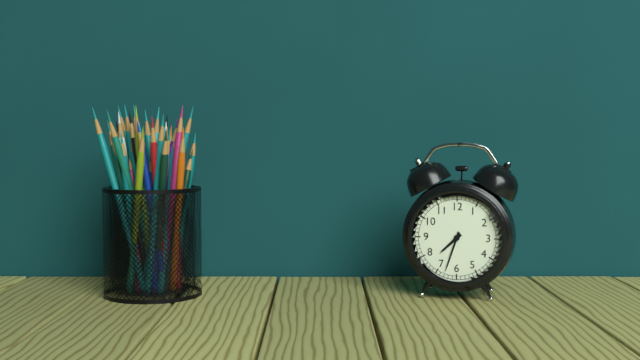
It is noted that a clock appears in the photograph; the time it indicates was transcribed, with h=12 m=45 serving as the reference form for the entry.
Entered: h=7 m=33
